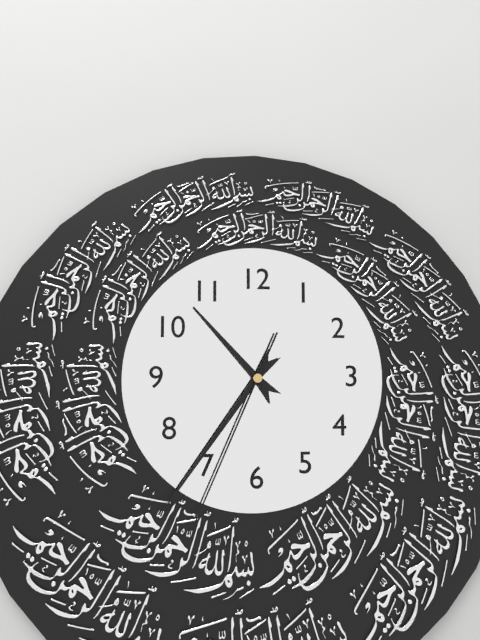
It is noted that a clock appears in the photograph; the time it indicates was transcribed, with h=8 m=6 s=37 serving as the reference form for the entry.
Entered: h=10 m=36 s=34
